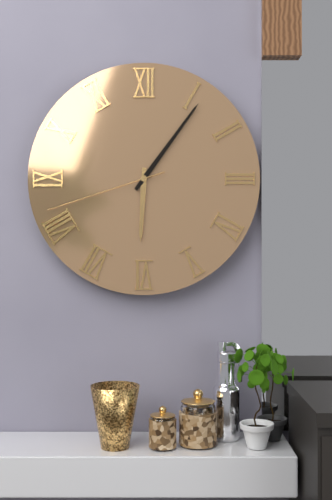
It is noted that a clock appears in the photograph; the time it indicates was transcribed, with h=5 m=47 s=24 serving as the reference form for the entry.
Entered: h=6 m=6 s=42
